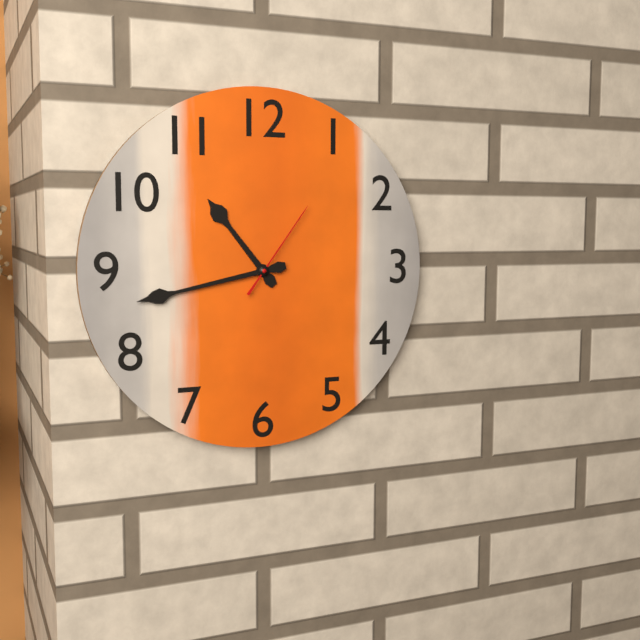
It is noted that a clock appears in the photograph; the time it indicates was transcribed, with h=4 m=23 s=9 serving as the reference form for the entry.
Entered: h=10 m=43 s=6
